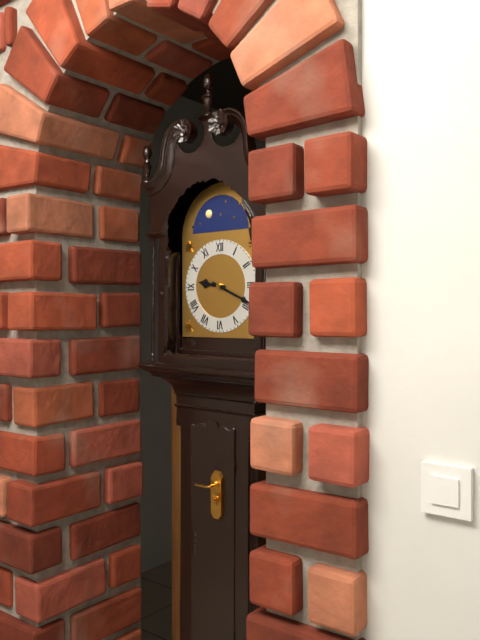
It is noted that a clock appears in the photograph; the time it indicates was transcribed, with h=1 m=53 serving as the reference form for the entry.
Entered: h=9 m=19
